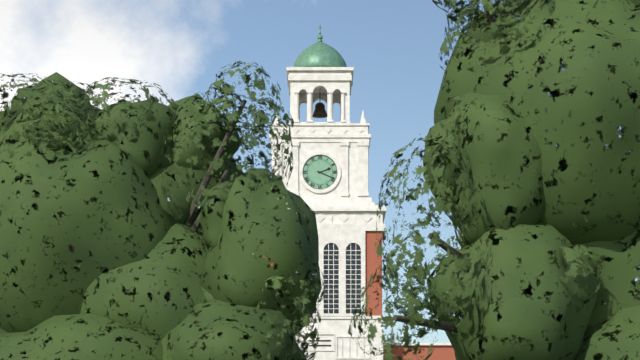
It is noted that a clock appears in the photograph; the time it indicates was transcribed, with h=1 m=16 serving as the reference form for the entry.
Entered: h=2 m=19
